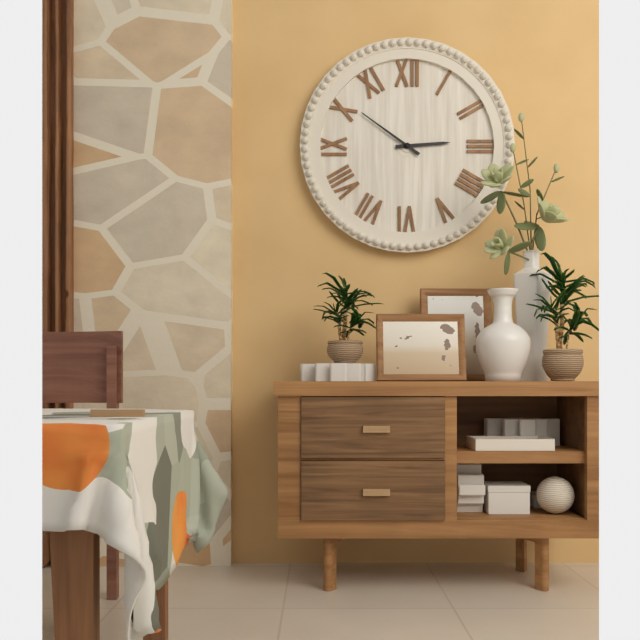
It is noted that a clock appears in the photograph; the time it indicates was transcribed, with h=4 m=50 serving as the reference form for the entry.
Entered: h=2 m=51
